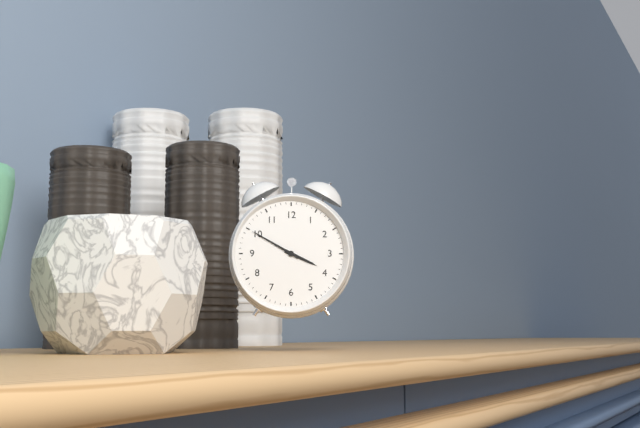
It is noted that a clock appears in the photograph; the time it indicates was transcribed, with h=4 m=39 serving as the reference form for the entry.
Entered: h=3 m=50
